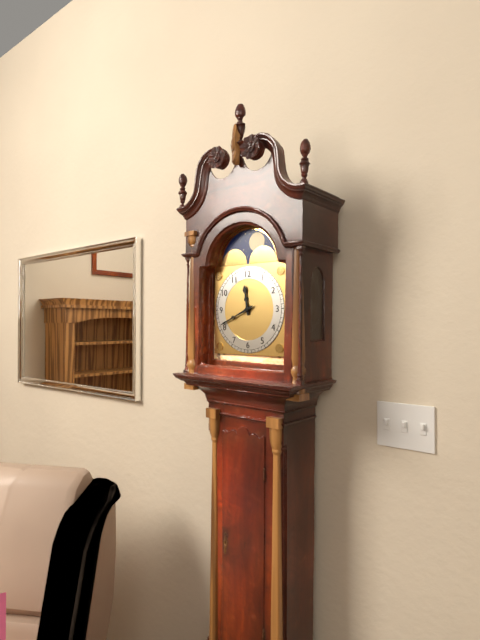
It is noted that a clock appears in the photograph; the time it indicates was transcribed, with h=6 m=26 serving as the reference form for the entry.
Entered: h=11 m=41
